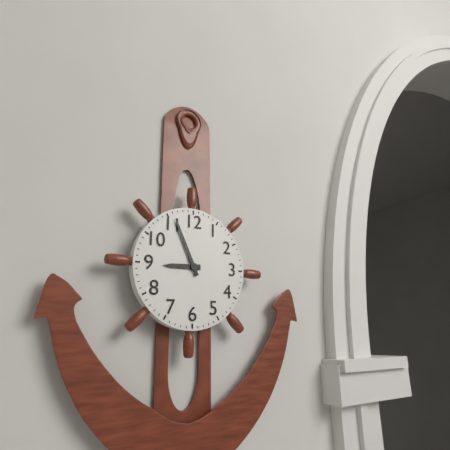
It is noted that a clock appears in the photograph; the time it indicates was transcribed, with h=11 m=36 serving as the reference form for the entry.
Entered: h=8 m=56
